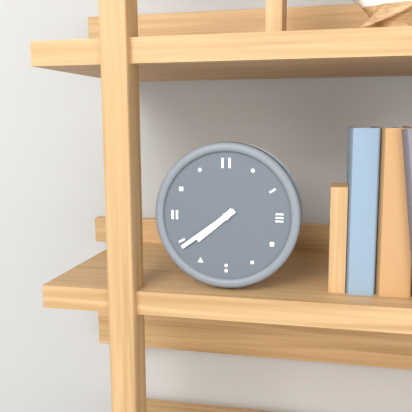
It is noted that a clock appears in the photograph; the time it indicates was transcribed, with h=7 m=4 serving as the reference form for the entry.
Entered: h=7 m=39
